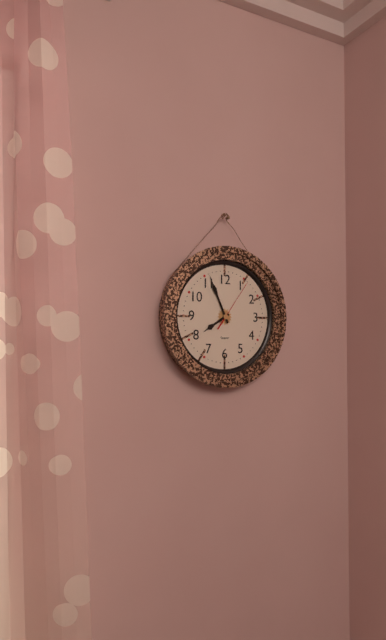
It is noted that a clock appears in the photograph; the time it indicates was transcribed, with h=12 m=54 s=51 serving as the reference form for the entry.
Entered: h=7 m=56 s=6
